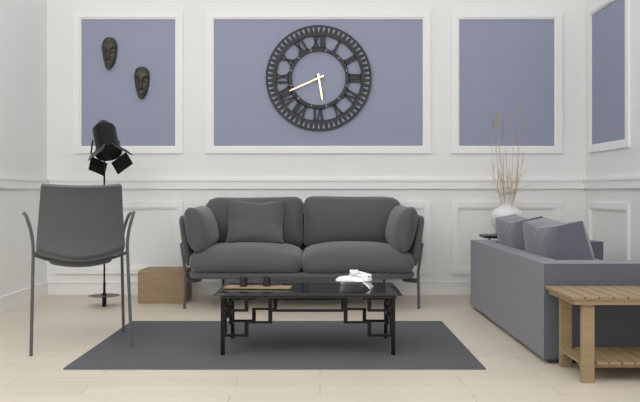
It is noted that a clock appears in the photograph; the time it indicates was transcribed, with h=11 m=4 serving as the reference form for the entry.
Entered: h=5 m=41
